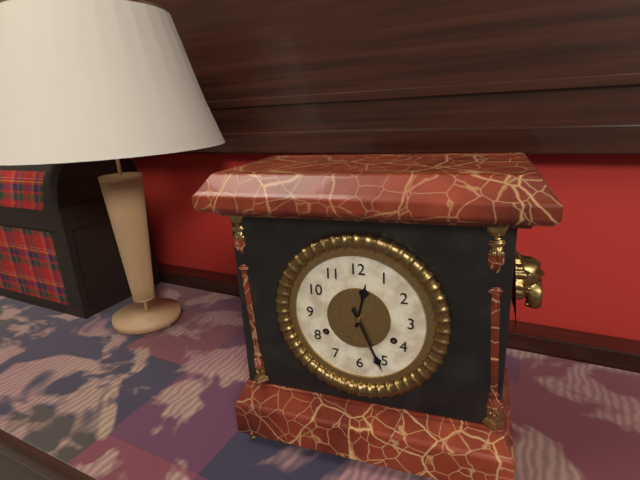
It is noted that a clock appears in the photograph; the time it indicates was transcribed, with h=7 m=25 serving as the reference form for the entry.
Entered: h=12 m=26
